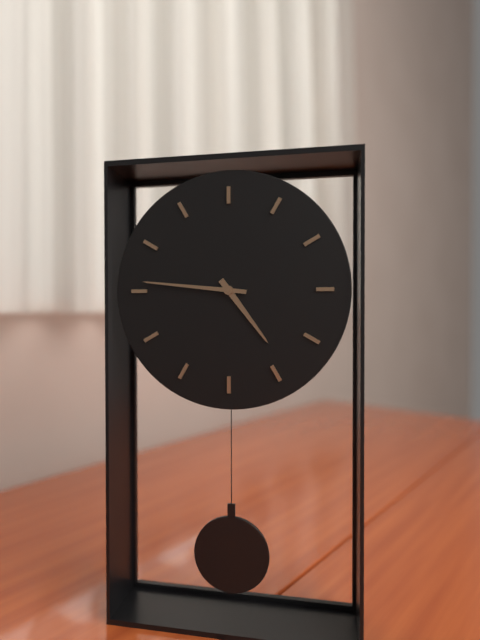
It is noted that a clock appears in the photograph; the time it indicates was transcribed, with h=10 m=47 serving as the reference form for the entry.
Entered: h=4 m=46
